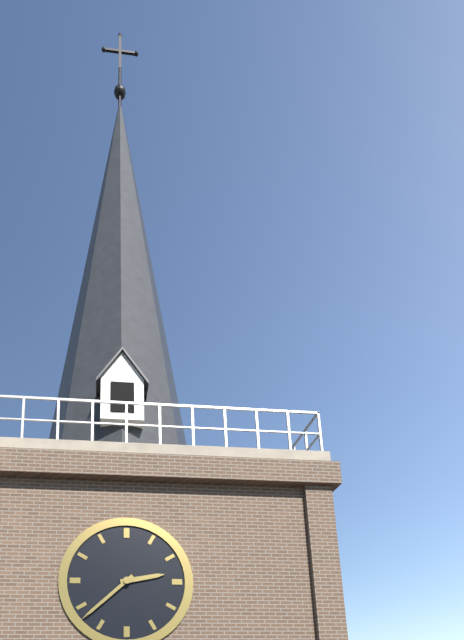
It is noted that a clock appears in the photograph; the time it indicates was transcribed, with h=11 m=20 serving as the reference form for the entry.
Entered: h=2 m=38
